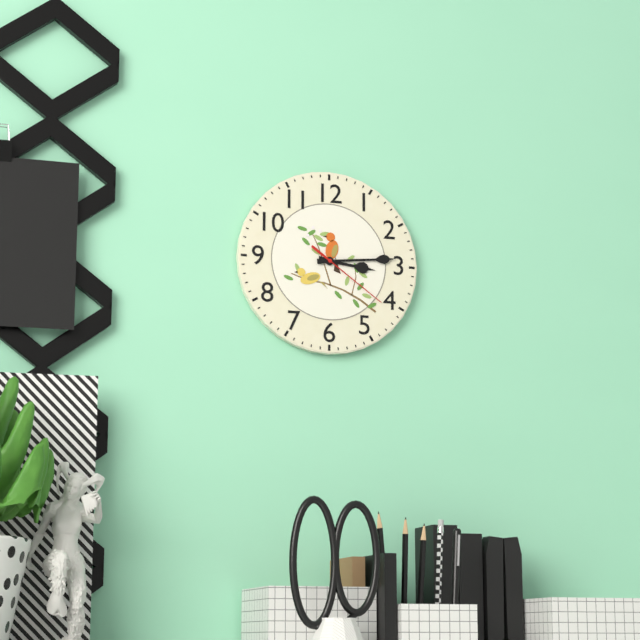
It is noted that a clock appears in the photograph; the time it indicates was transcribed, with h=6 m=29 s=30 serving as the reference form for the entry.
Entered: h=3 m=14 s=21
